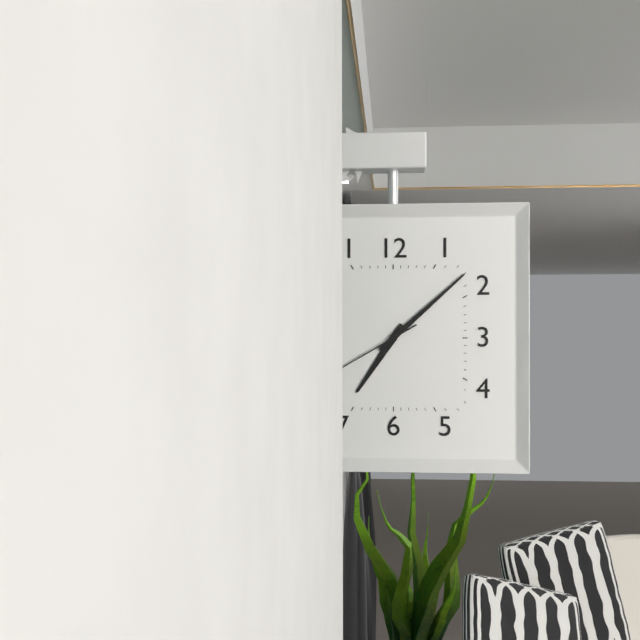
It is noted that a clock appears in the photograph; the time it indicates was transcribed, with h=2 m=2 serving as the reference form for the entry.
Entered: h=7 m=8
